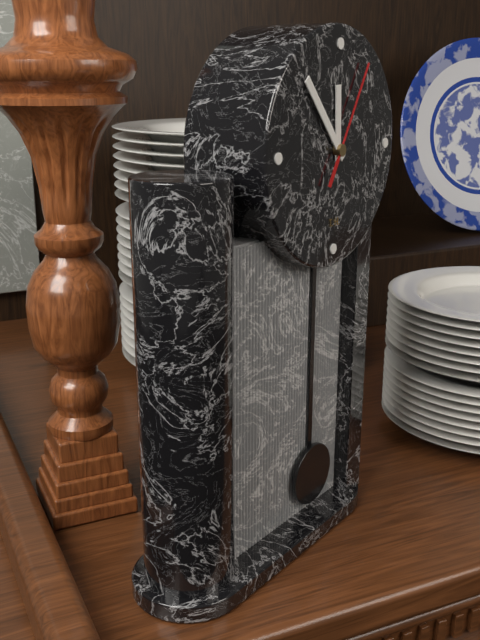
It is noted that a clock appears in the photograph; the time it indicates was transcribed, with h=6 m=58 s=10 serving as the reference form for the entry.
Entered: h=11 m=53 s=5
